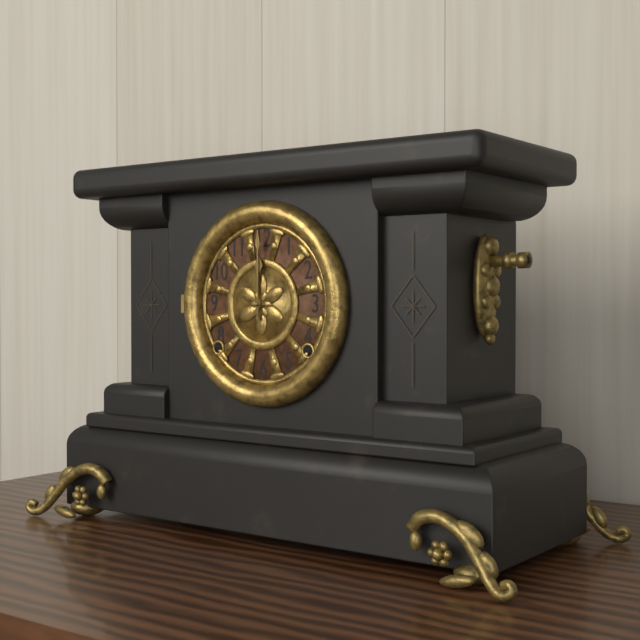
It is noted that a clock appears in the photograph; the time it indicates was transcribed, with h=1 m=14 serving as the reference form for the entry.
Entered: h=12 m=0
